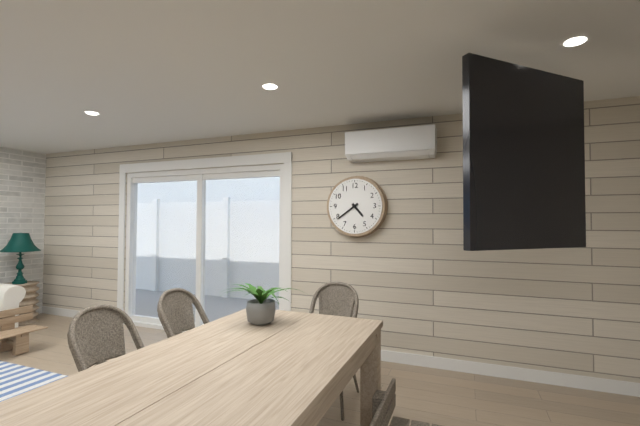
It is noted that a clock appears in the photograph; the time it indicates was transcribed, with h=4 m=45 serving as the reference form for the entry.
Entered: h=4 m=39
